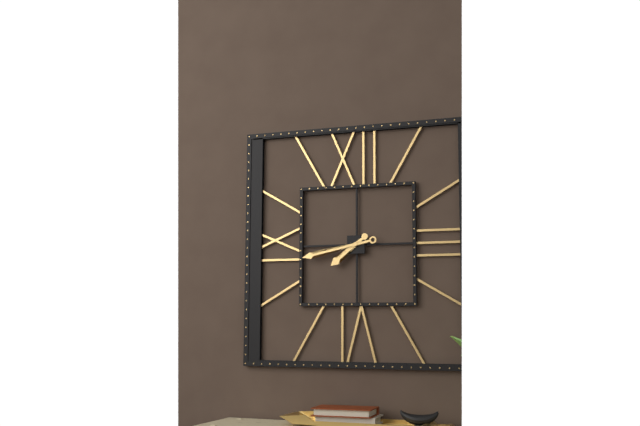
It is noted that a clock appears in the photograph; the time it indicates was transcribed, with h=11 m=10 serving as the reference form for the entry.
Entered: h=7 m=43
